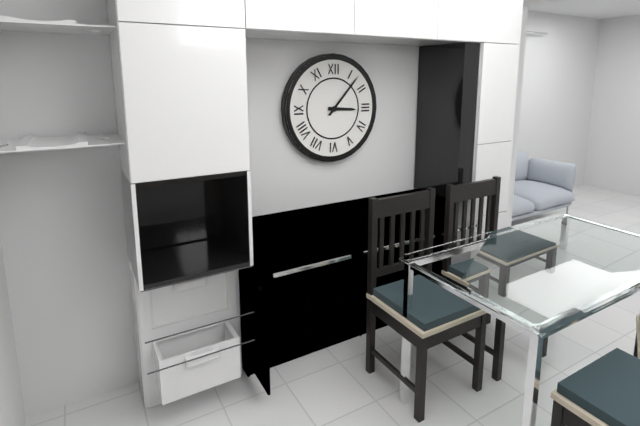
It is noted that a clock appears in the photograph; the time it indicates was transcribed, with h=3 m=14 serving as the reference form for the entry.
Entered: h=3 m=7
